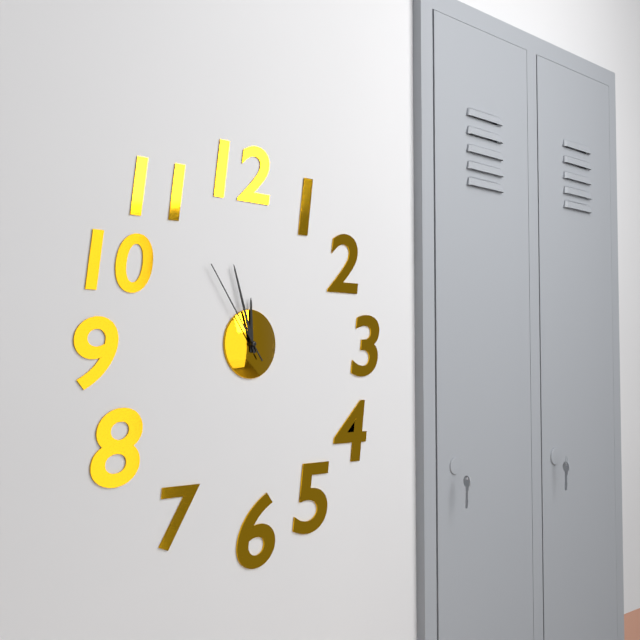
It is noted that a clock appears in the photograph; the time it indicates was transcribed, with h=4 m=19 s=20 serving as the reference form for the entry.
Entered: h=11 m=57 s=54
